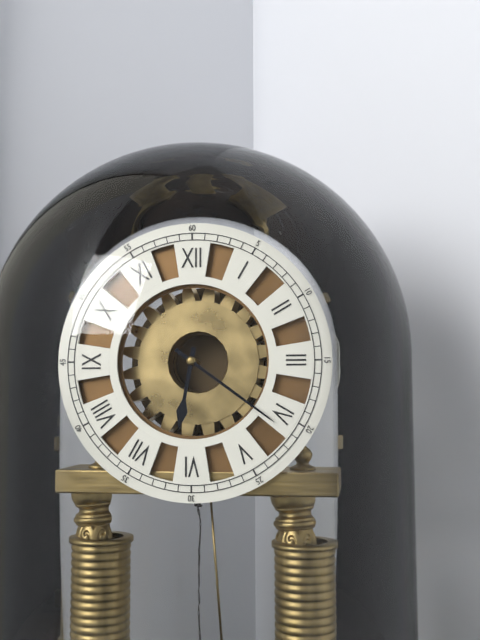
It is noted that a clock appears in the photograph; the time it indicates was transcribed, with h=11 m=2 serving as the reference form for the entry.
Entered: h=6 m=21
